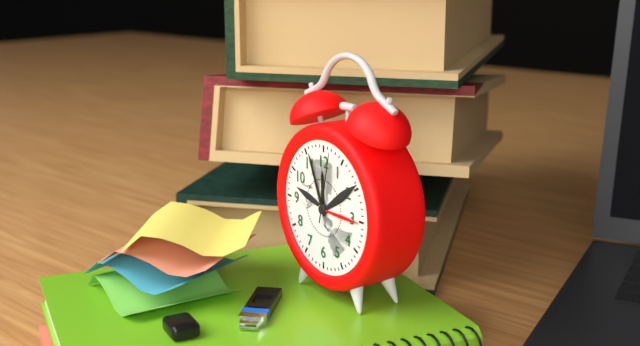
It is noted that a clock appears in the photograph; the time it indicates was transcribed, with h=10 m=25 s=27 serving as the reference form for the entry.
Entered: h=11 m=56 s=2
